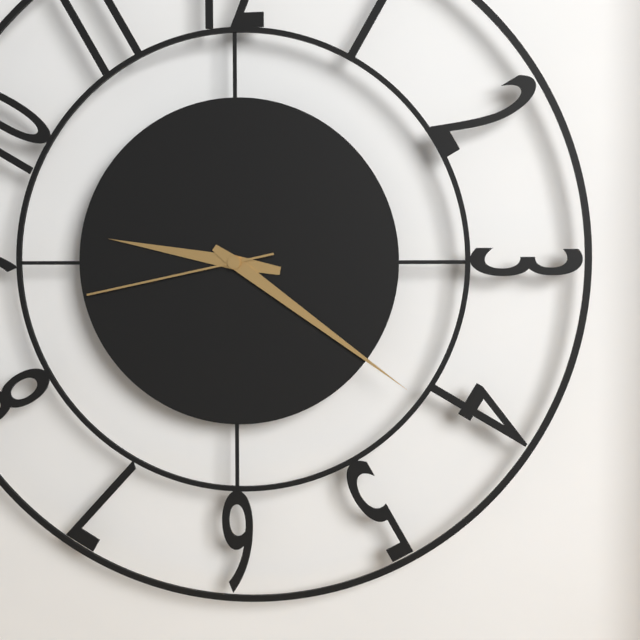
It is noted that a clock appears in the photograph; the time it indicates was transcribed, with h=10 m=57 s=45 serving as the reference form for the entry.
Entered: h=9 m=21 s=43
